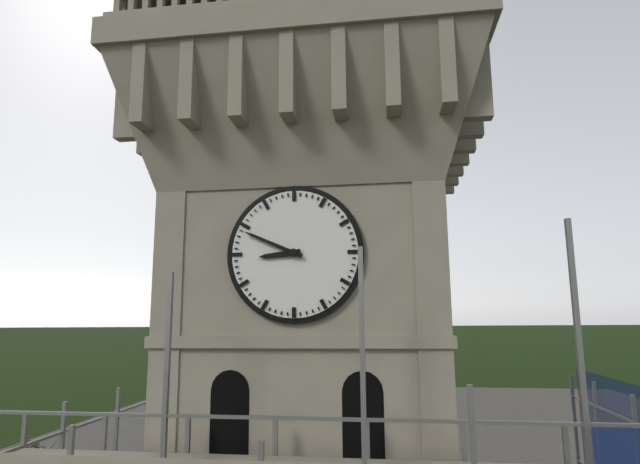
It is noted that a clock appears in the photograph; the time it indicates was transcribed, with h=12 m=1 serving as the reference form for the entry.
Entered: h=8 m=49
